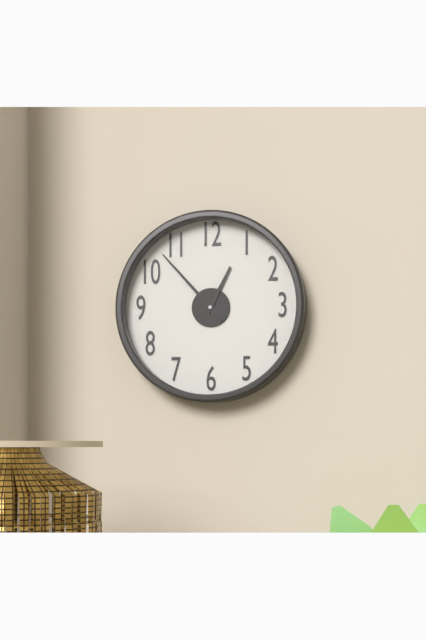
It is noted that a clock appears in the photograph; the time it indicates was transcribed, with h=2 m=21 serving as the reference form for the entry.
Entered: h=12 m=53
